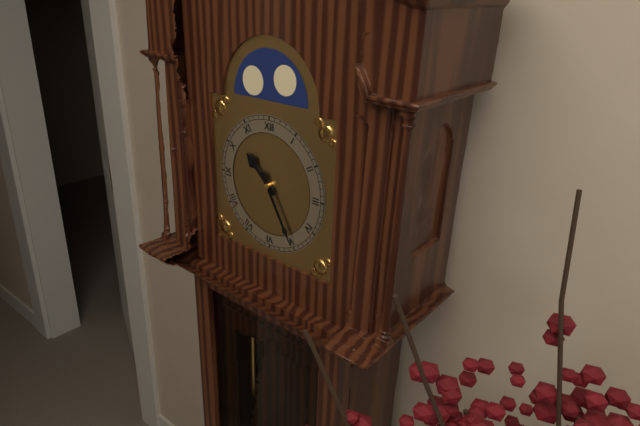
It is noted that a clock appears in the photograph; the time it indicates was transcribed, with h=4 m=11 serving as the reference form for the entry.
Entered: h=10 m=25
